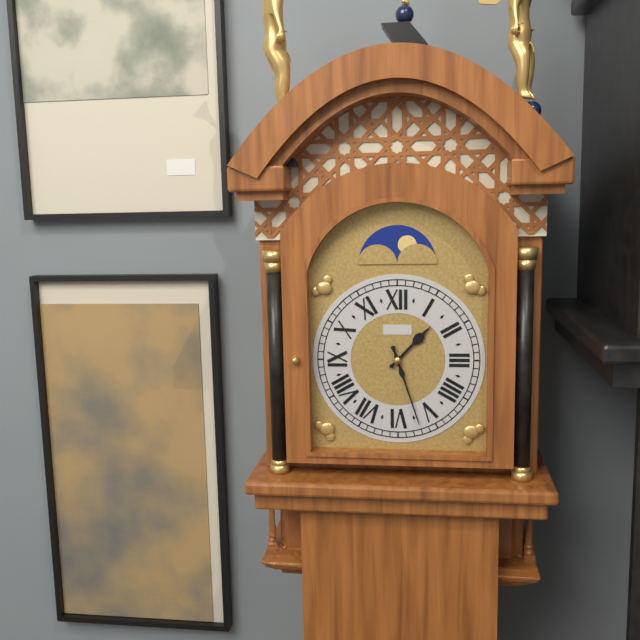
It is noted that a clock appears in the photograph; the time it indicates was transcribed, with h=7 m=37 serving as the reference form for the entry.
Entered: h=1 m=27
